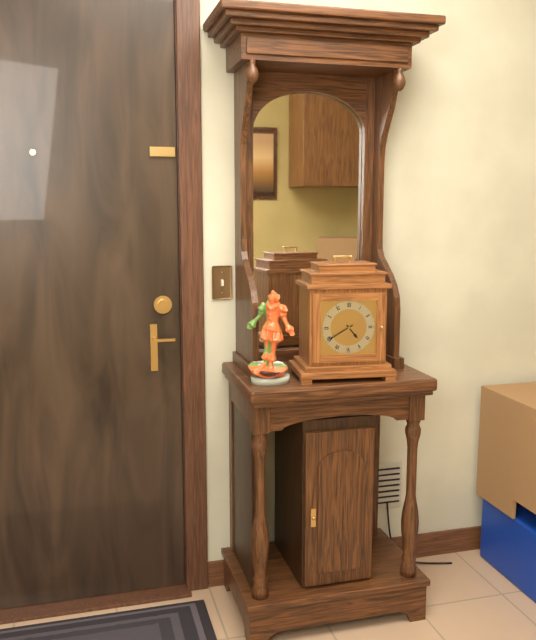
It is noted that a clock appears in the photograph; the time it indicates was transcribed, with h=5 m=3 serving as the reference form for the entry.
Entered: h=4 m=40
